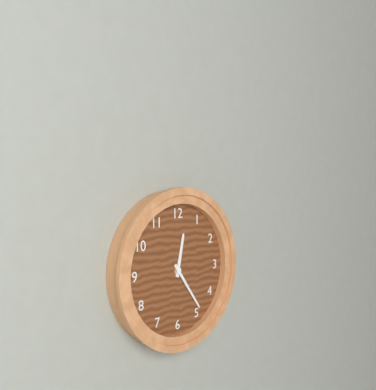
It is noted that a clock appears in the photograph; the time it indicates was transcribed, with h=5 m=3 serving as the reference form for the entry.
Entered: h=12 m=24
